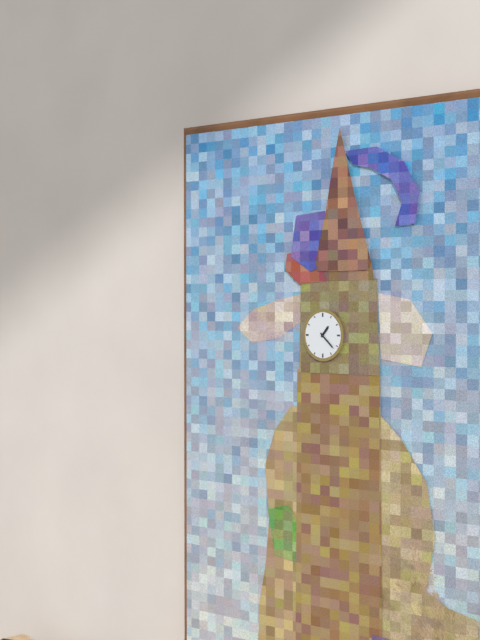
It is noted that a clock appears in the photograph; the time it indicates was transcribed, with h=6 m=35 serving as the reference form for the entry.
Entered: h=1 m=22
